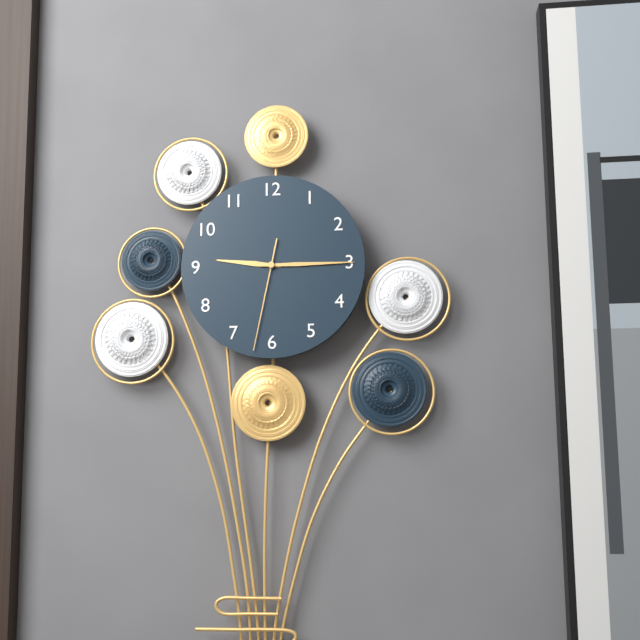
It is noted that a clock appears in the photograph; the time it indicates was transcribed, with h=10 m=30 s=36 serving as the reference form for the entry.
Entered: h=9 m=15 s=32
